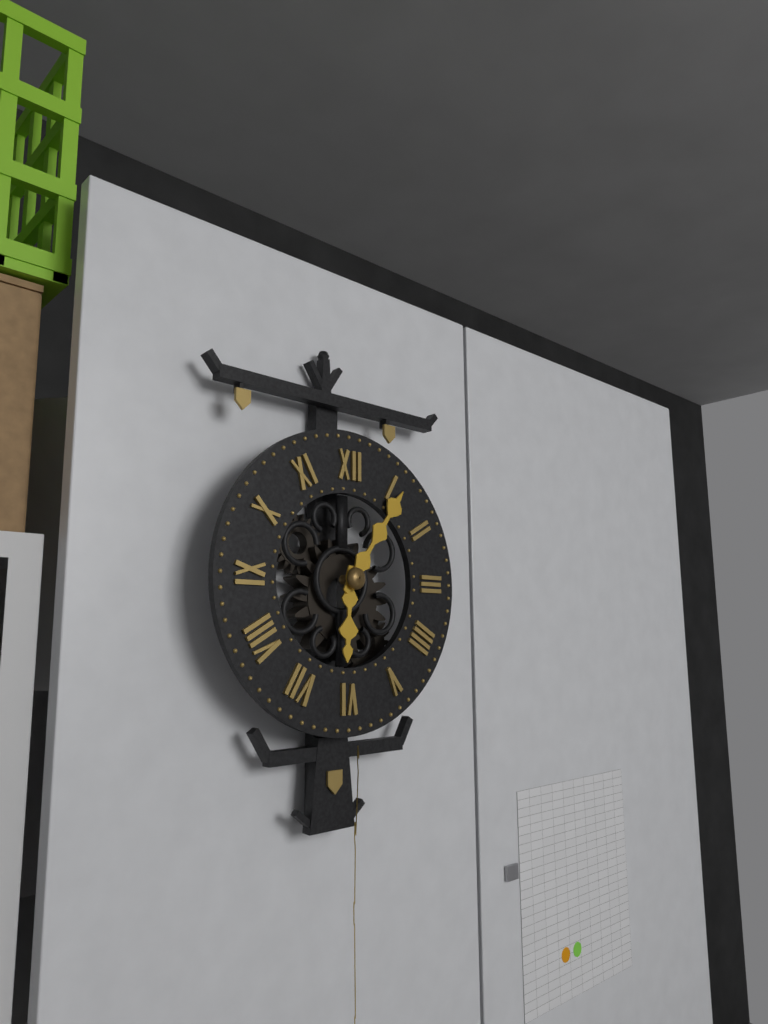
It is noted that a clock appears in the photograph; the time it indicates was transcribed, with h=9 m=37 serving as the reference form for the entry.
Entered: h=6 m=6
